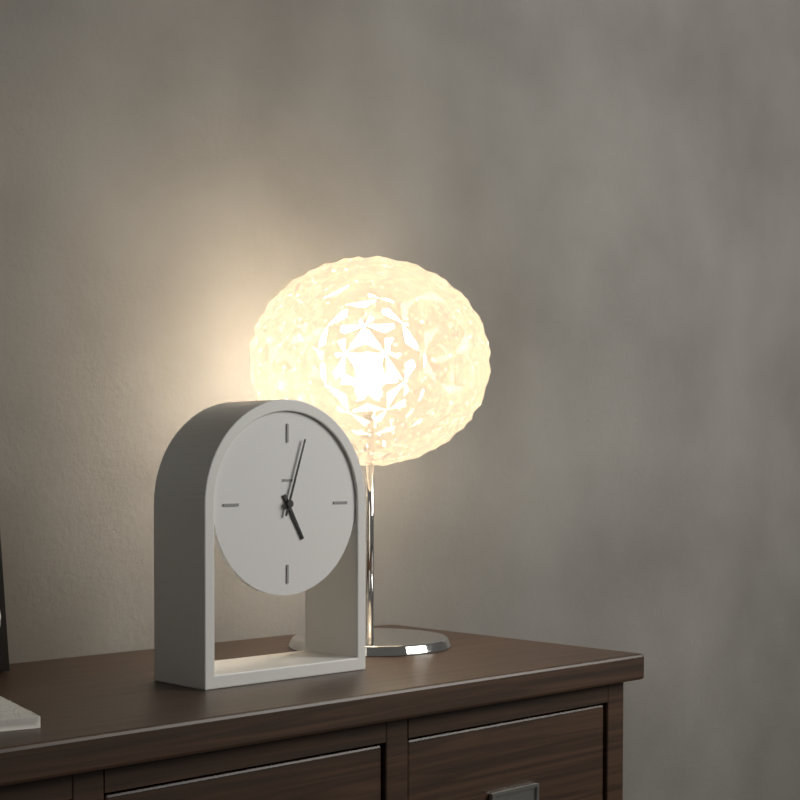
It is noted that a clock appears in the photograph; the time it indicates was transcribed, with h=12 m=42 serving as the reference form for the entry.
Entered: h=5 m=3
